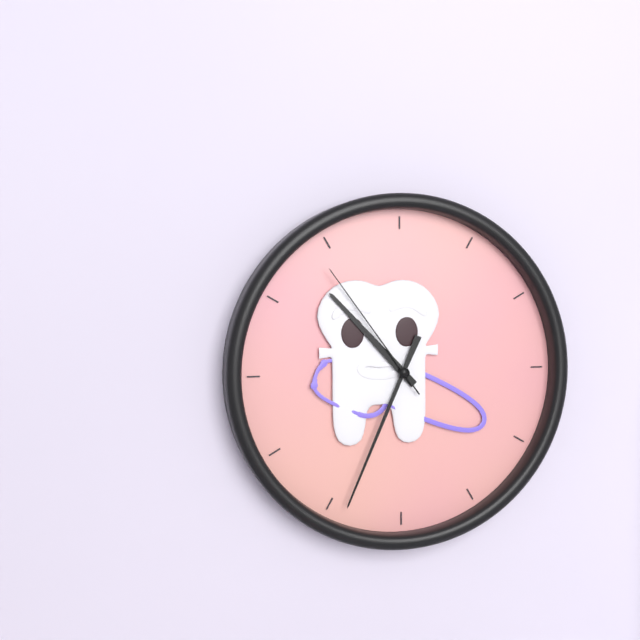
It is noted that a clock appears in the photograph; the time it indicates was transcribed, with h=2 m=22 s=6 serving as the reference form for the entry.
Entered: h=10 m=34 s=54
